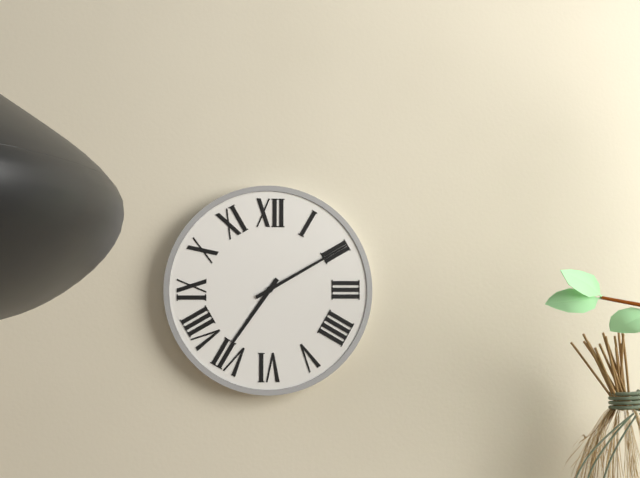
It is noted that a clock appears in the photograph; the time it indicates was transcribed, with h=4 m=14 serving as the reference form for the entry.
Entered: h=7 m=10
